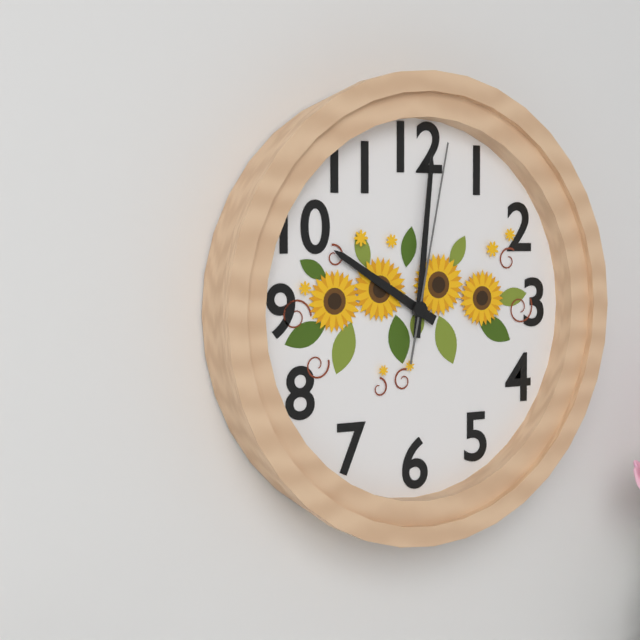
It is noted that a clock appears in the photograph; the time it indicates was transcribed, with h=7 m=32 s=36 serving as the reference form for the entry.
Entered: h=10 m=1 s=2
